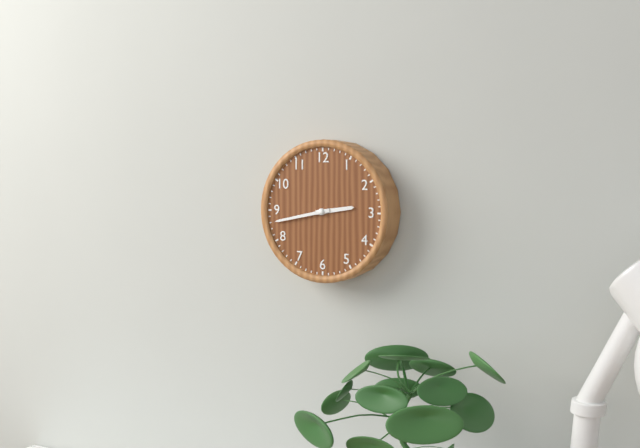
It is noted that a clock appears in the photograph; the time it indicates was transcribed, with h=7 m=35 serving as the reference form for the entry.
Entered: h=2 m=43
